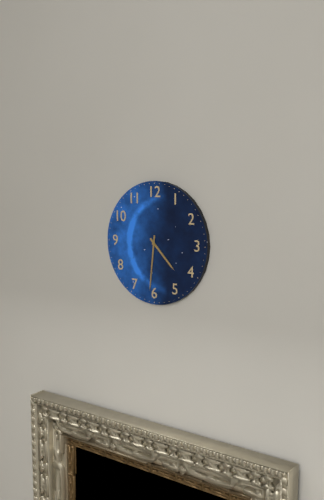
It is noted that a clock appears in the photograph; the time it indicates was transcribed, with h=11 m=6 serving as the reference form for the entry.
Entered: h=4 m=31
